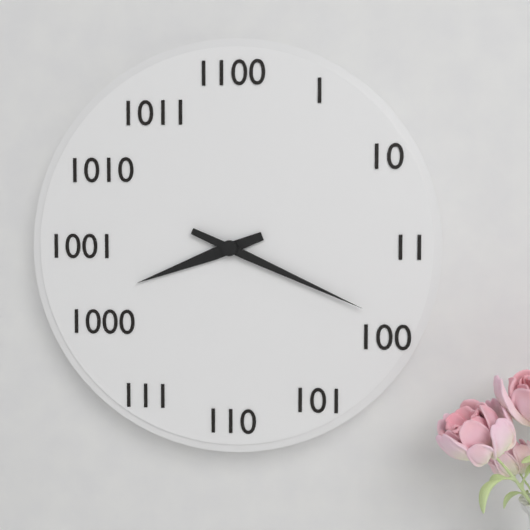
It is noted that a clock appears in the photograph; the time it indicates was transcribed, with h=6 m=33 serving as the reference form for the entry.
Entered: h=8 m=19
